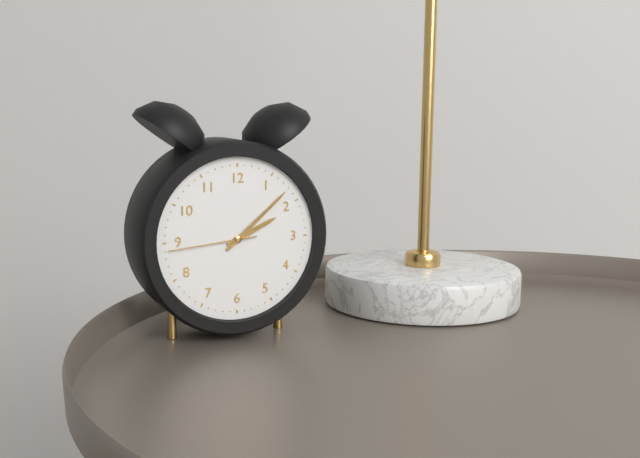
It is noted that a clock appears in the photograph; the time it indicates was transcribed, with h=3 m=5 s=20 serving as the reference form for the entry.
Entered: h=2 m=8 s=44
